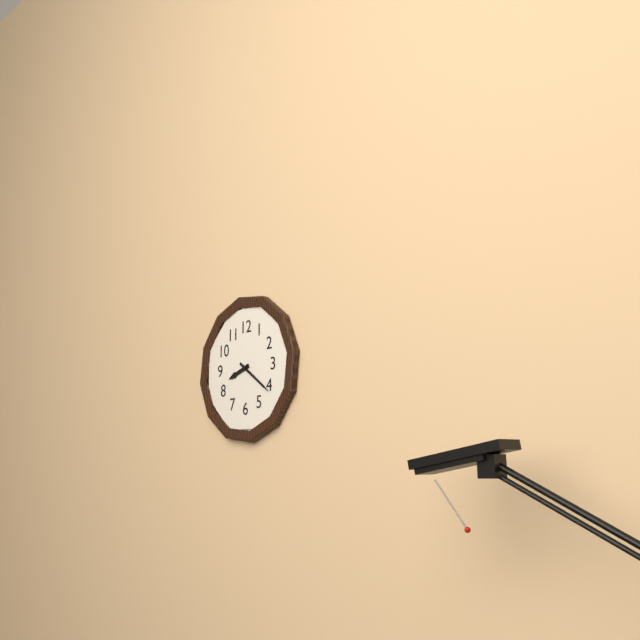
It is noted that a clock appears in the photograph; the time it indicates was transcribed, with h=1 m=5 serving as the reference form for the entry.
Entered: h=8 m=21
